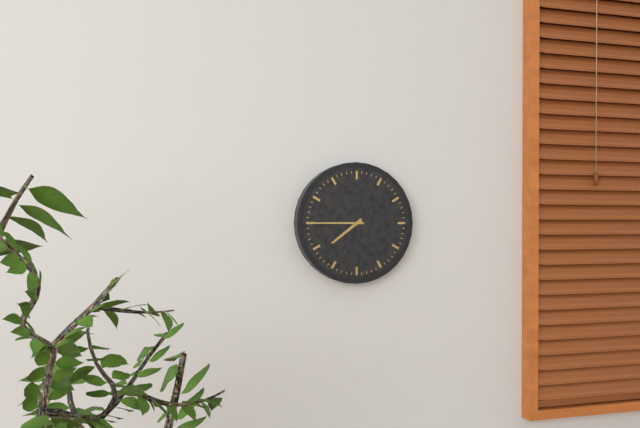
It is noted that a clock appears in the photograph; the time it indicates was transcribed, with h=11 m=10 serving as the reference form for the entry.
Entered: h=7 m=45
